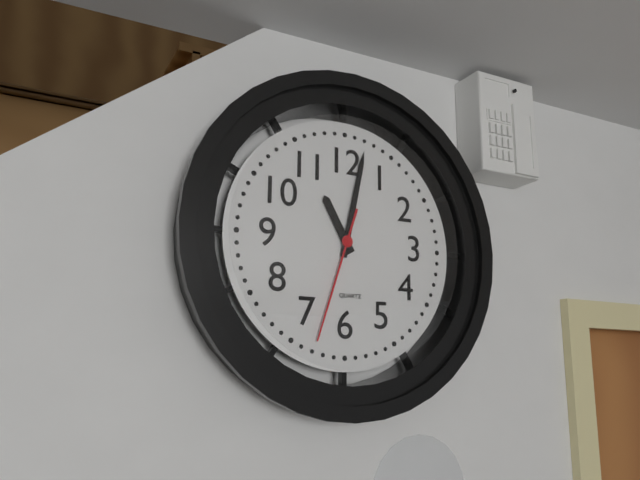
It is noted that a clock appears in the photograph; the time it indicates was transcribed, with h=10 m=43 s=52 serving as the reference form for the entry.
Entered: h=11 m=2 s=33
